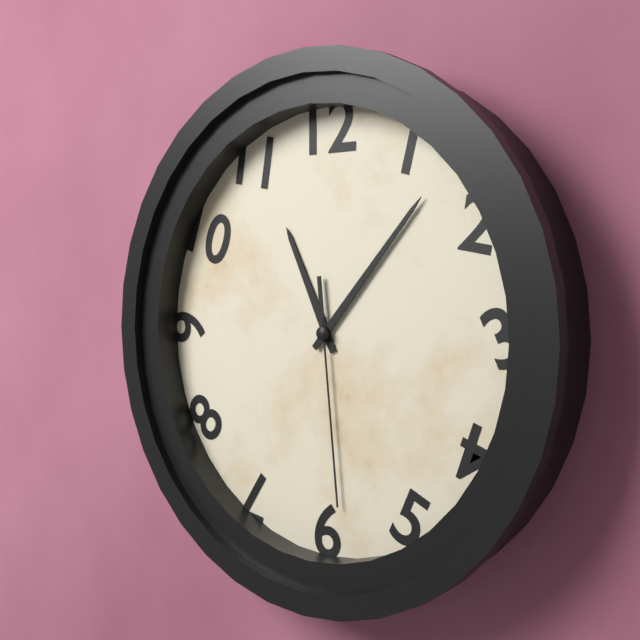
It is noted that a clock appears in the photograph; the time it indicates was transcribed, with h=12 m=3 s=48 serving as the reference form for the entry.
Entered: h=11 m=7 s=29
